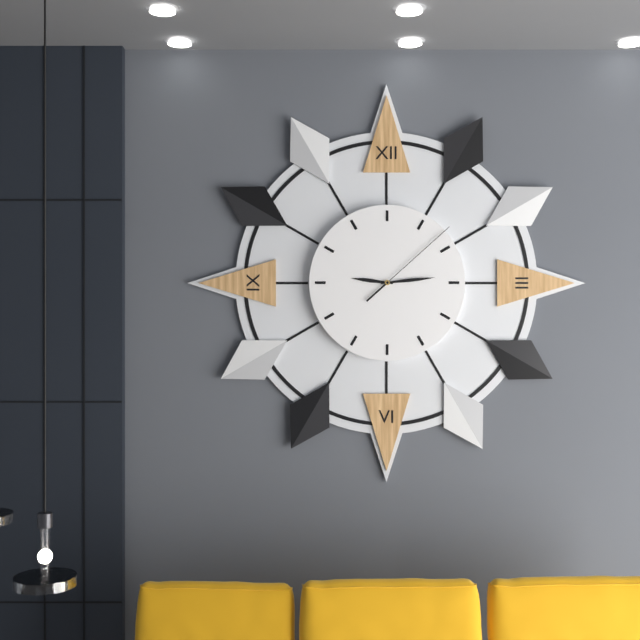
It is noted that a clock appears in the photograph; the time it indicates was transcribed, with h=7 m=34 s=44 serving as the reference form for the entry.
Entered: h=9 m=14 s=8
